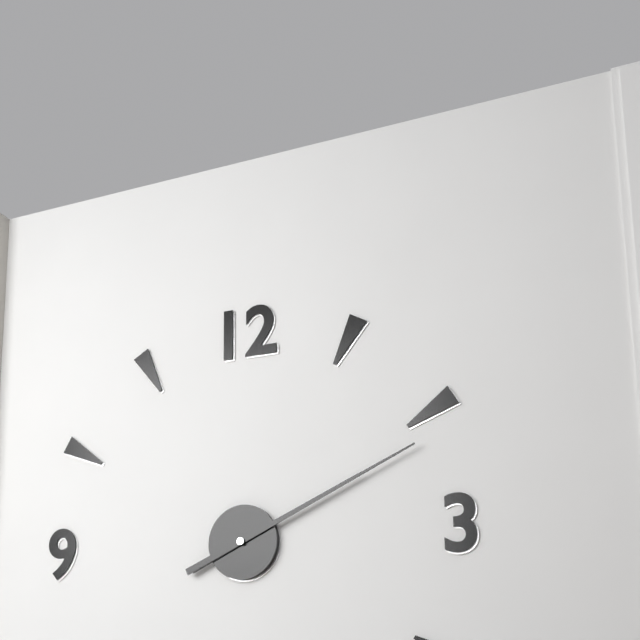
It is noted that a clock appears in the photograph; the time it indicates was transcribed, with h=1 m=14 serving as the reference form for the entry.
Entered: h=2 m=11
